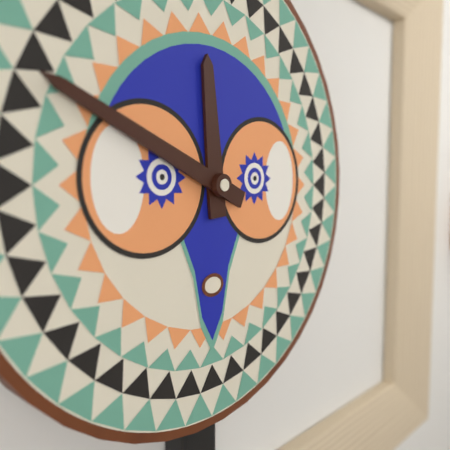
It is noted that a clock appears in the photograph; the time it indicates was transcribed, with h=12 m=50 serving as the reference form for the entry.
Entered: h=11 m=49
